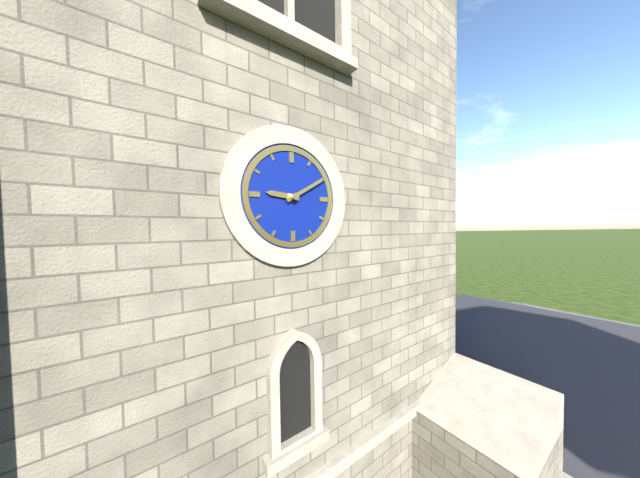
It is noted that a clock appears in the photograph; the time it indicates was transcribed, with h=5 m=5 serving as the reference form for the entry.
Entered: h=9 m=10
